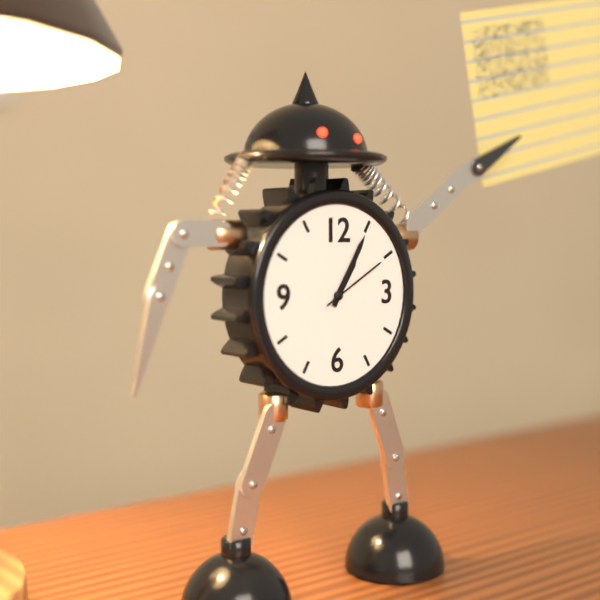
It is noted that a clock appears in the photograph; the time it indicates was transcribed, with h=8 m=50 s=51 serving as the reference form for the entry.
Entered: h=1 m=5 s=10
